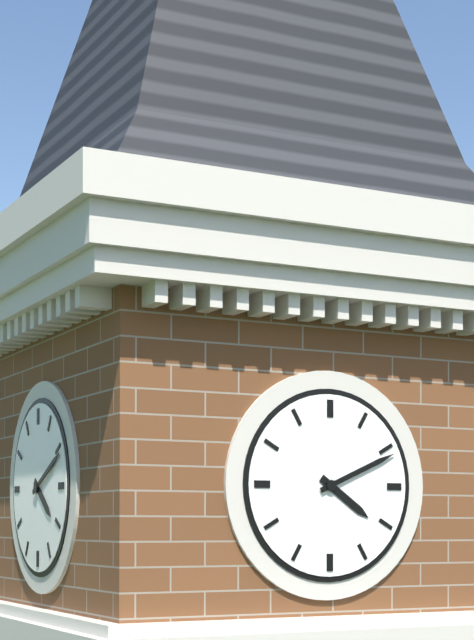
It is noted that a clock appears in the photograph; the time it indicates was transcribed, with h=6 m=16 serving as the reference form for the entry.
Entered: h=4 m=11
